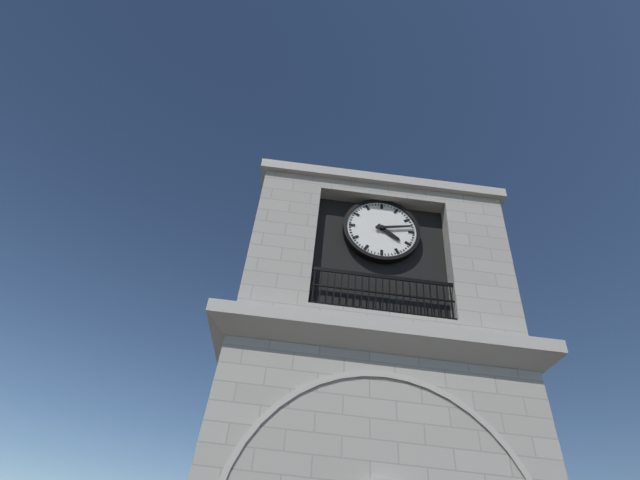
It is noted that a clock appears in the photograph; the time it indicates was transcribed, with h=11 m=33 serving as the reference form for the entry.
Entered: h=4 m=13
